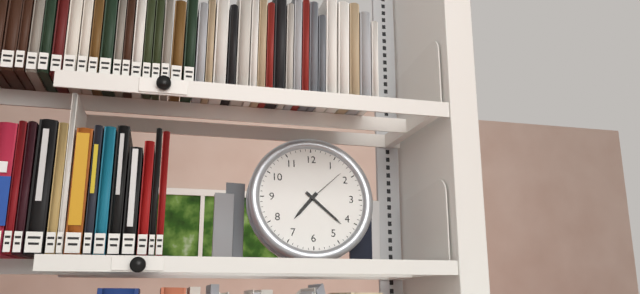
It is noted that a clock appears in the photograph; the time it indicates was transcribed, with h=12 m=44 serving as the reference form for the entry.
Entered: h=7 m=22
